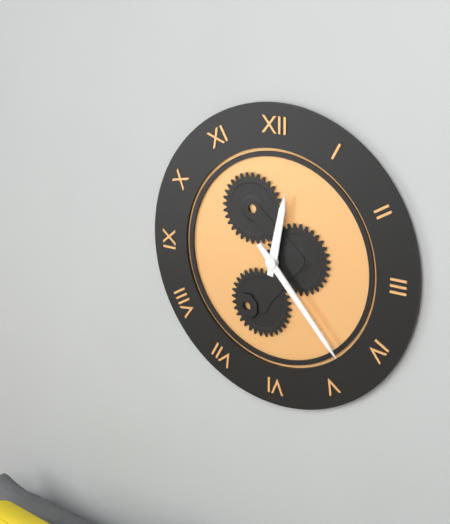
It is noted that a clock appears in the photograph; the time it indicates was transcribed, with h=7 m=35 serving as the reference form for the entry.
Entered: h=12 m=23
